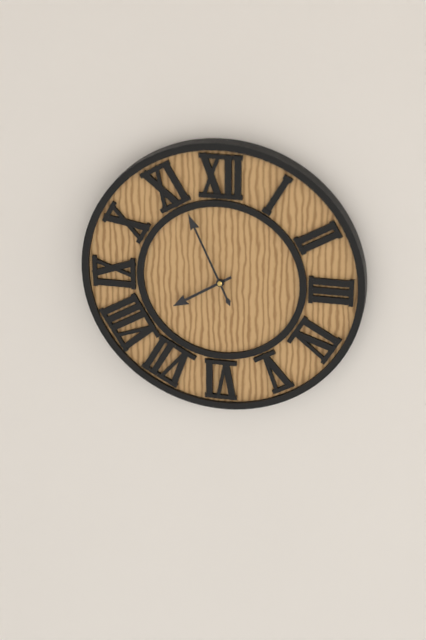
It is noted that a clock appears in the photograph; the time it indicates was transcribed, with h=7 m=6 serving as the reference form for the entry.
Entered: h=7 m=56
